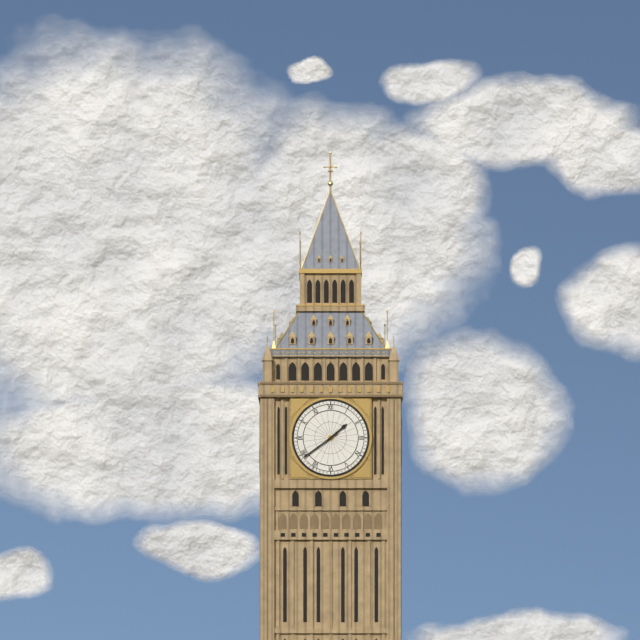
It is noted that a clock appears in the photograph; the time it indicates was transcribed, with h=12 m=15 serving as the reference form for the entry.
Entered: h=1 m=39
